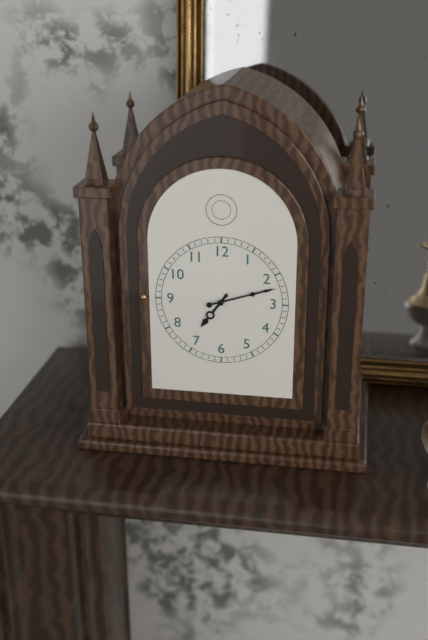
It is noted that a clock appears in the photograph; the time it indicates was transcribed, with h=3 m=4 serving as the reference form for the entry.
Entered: h=7 m=12
